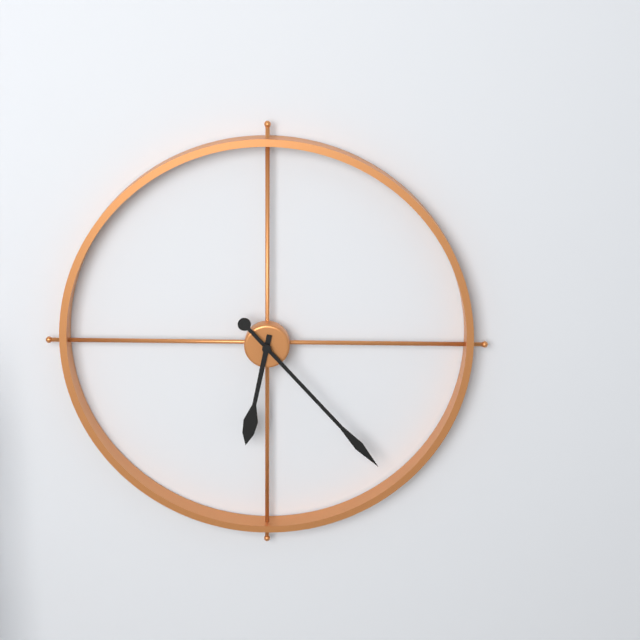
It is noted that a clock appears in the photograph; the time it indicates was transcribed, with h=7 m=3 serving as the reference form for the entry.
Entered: h=6 m=23
